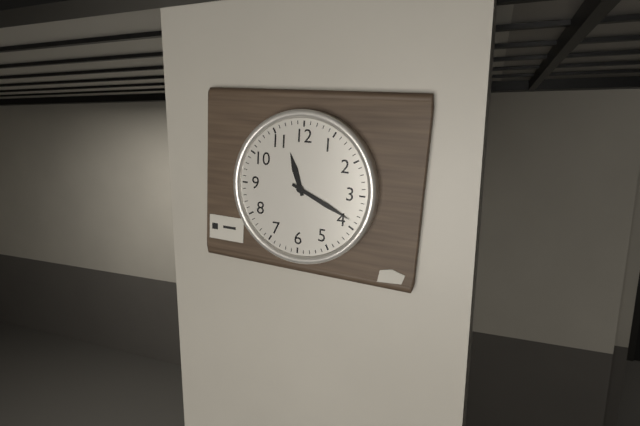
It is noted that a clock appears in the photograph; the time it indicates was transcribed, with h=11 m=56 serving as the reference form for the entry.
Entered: h=11 m=19
